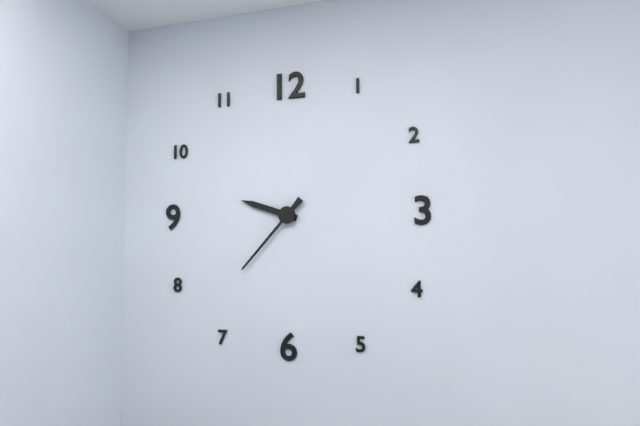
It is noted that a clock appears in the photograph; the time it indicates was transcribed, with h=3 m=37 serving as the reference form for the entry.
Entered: h=9 m=37
